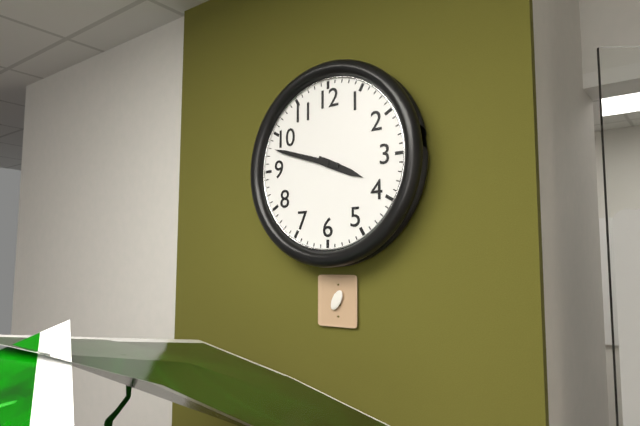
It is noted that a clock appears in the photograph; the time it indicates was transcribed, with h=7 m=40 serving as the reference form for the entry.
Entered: h=3 m=48
